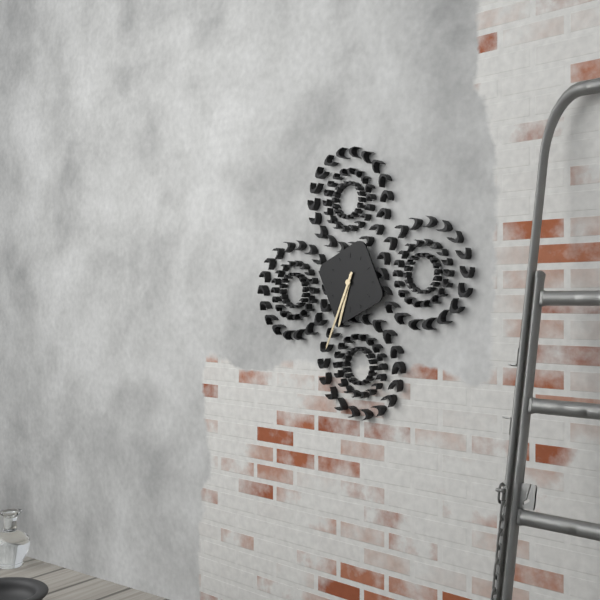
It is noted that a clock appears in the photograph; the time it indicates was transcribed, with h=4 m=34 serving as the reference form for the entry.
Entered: h=6 m=34
